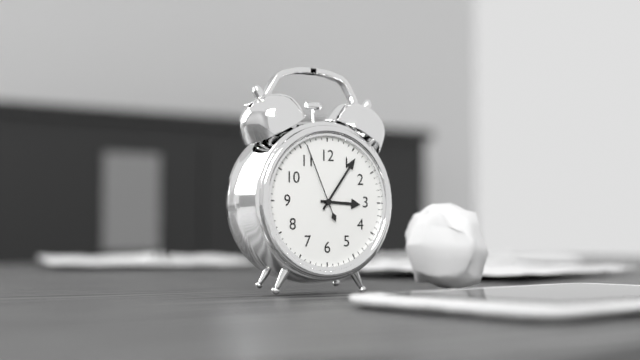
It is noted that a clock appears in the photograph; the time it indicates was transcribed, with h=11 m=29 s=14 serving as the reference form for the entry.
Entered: h=3 m=6 s=56
